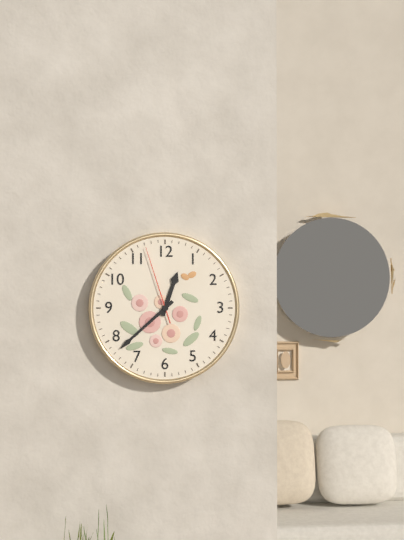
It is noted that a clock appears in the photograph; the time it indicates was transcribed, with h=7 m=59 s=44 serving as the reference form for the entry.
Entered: h=12 m=38 s=57
